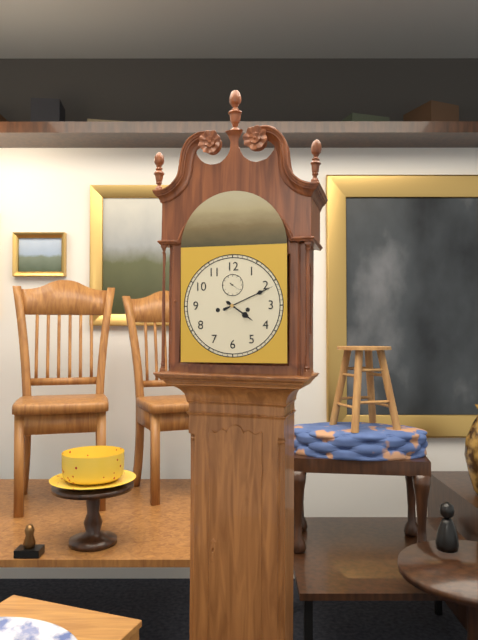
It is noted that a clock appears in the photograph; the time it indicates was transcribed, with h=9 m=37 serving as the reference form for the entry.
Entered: h=4 m=11
